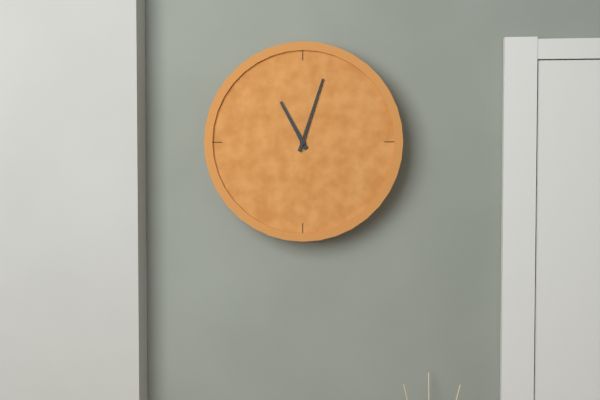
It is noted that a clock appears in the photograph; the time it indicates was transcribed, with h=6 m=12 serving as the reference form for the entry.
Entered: h=11 m=3
